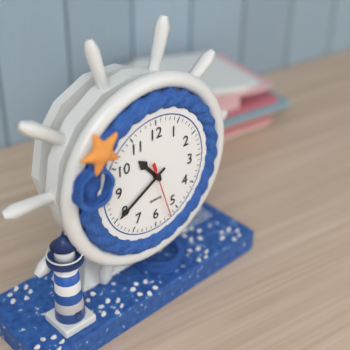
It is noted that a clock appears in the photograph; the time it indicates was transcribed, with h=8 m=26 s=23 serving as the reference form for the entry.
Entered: h=10 m=40 s=27
